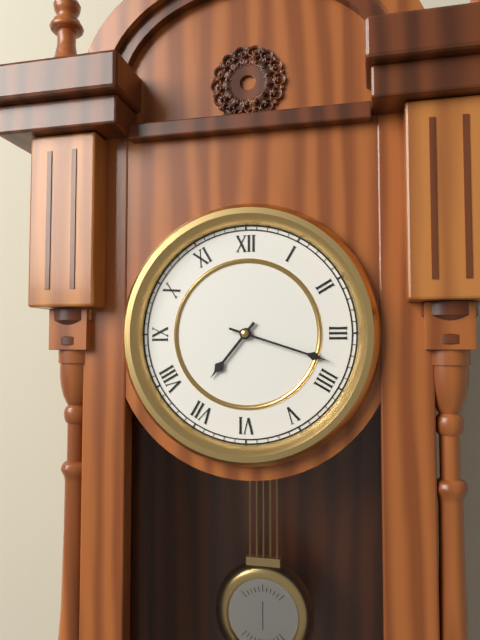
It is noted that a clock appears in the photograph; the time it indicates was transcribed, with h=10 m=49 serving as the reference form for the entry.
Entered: h=7 m=18
